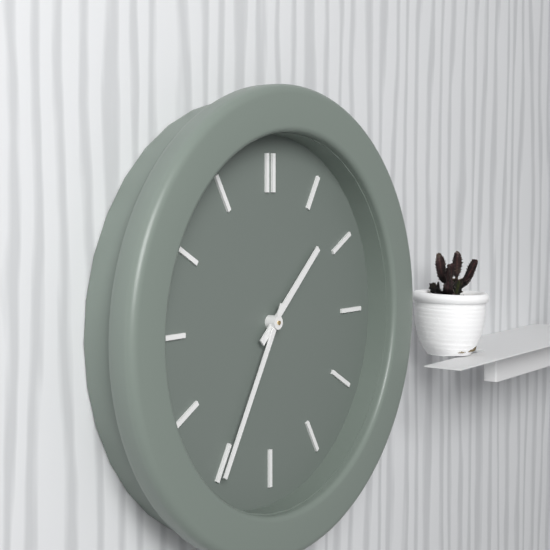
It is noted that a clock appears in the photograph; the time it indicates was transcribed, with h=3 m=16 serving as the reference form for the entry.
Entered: h=1 m=35
